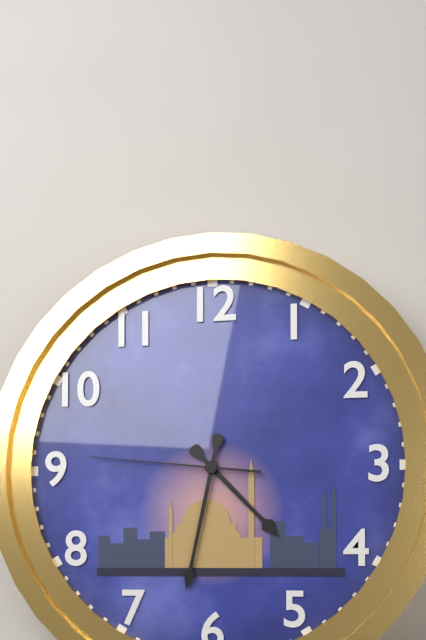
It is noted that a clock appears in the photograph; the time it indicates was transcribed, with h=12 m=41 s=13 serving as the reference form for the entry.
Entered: h=4 m=32 s=46
